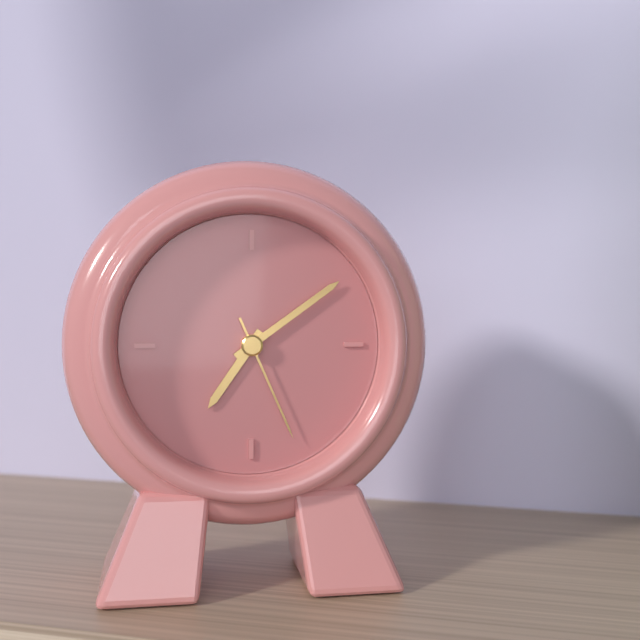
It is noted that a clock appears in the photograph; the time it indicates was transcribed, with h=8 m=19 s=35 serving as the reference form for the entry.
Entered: h=7 m=9 s=26
